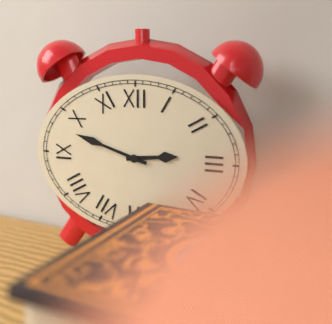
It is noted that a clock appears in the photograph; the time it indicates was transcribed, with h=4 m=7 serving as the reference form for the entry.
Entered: h=2 m=48
